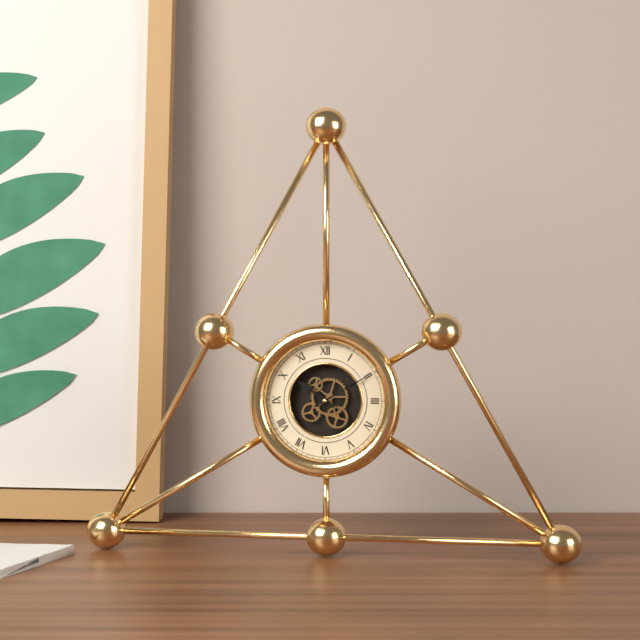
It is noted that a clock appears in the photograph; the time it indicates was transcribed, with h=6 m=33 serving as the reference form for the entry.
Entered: h=10 m=10
